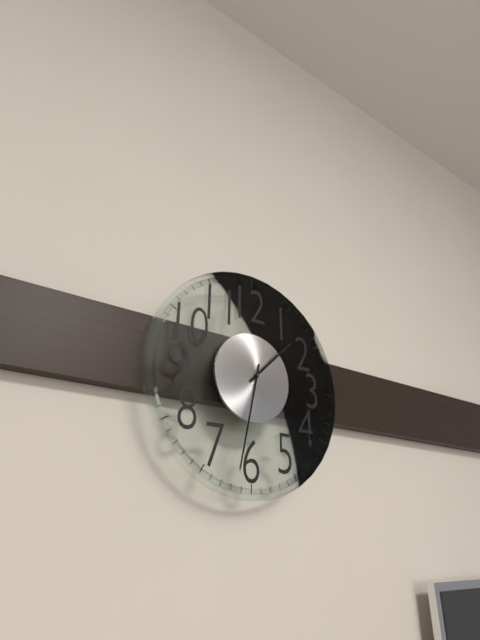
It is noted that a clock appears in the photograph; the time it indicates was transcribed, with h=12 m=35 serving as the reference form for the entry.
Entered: h=1 m=32
